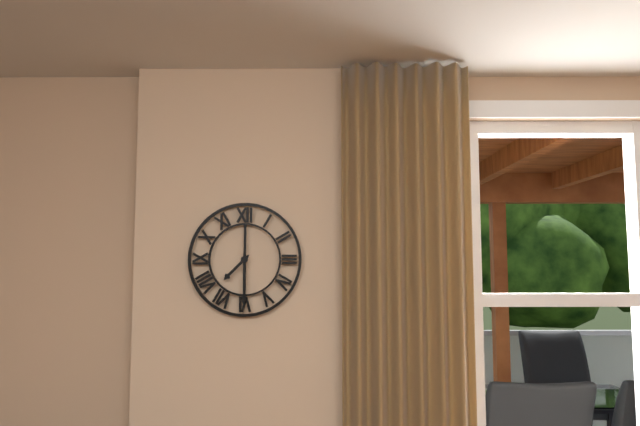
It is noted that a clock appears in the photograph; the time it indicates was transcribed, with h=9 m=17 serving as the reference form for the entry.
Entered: h=7 m=30
